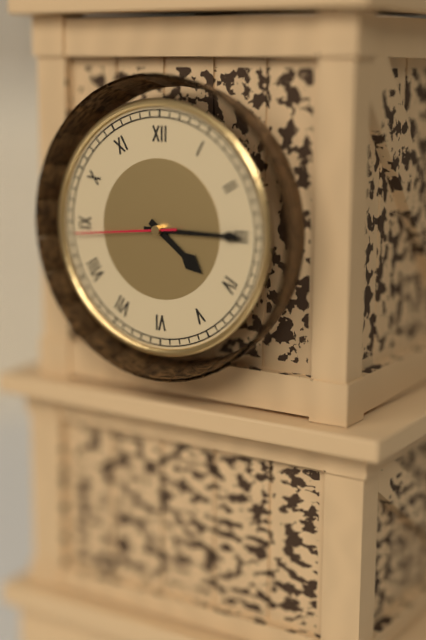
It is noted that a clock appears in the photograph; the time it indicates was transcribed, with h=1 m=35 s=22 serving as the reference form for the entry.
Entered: h=4 m=15 s=44
